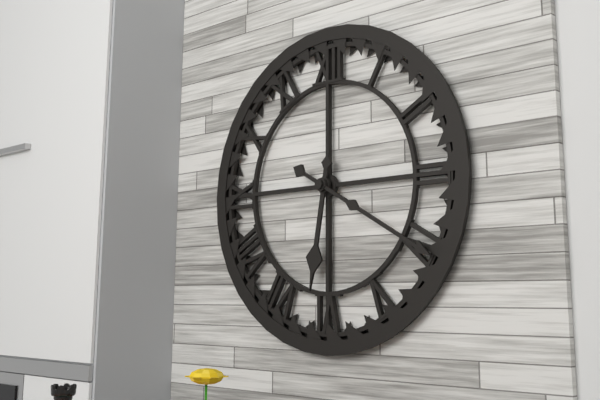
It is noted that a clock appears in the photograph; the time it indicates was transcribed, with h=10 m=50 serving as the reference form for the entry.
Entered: h=6 m=20
